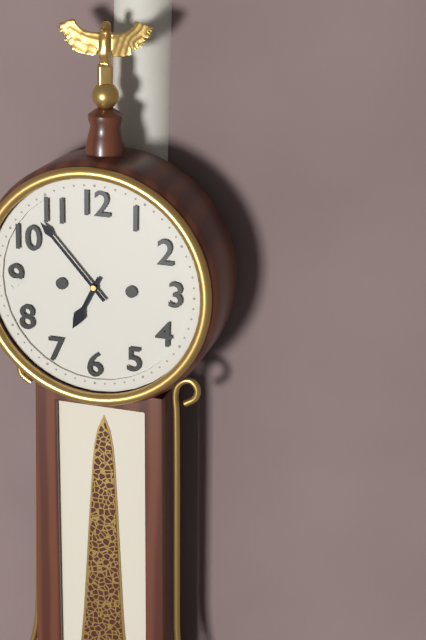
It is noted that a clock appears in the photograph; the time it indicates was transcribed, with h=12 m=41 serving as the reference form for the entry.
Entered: h=6 m=53
